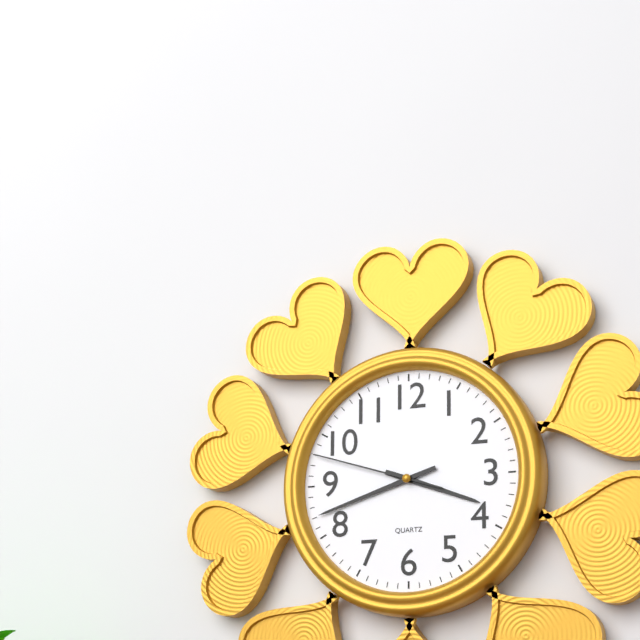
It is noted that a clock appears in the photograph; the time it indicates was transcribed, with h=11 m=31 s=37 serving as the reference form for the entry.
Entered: h=3 m=42 s=48
